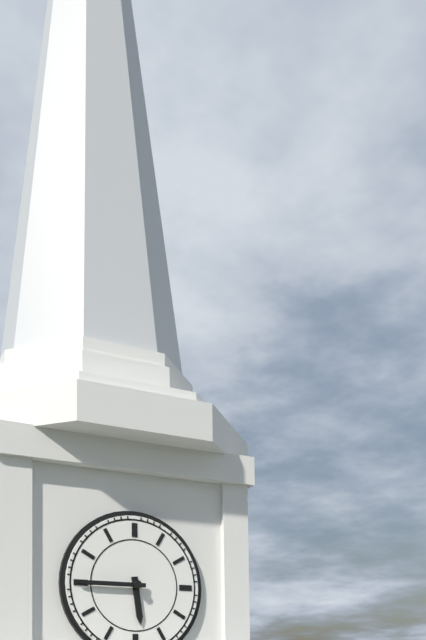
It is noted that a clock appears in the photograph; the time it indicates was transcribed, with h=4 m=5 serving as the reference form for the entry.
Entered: h=5 m=45
